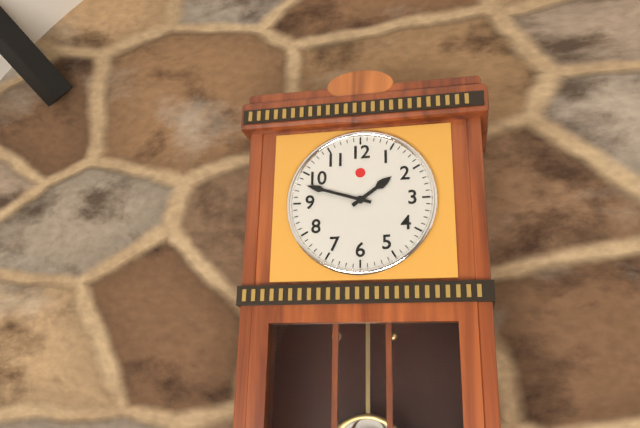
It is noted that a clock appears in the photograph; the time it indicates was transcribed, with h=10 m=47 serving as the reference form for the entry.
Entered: h=1 m=48
